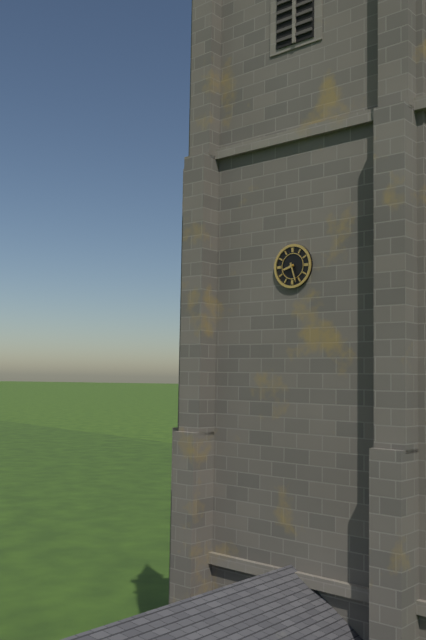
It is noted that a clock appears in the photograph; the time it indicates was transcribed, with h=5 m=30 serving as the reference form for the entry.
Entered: h=8 m=27
